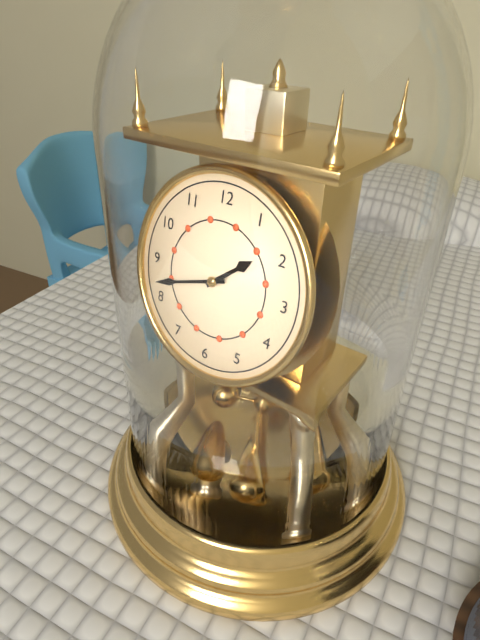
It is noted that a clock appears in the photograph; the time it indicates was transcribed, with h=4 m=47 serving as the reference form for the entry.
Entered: h=1 m=42
